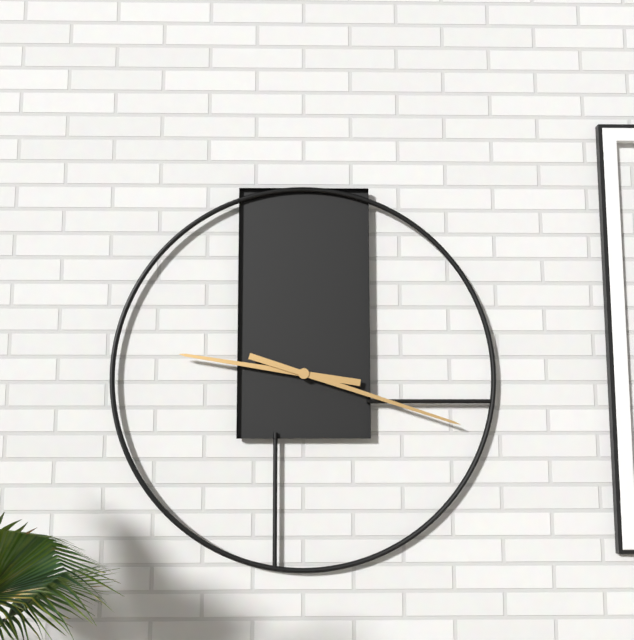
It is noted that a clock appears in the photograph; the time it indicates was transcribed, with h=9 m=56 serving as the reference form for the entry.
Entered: h=9 m=18
